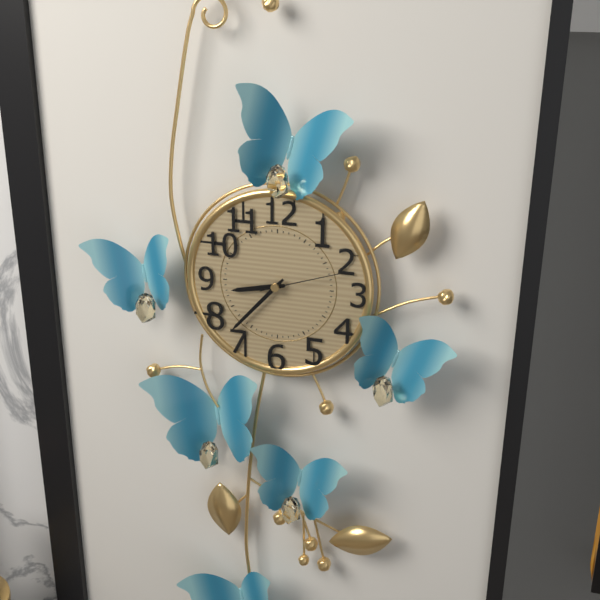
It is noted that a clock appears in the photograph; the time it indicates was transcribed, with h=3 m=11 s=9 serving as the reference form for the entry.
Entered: h=8 m=37 s=12
